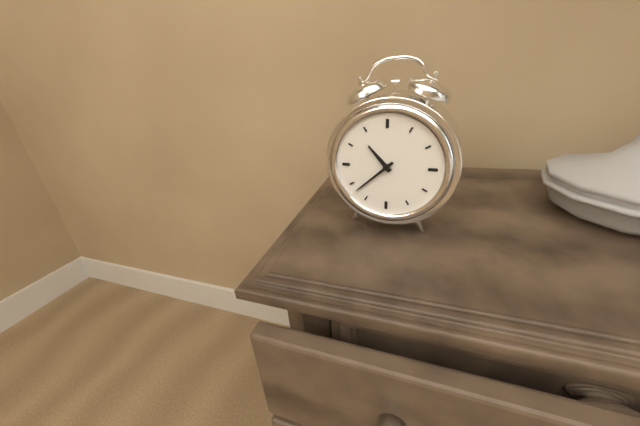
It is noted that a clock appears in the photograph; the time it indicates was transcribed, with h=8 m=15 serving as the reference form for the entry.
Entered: h=10 m=38
